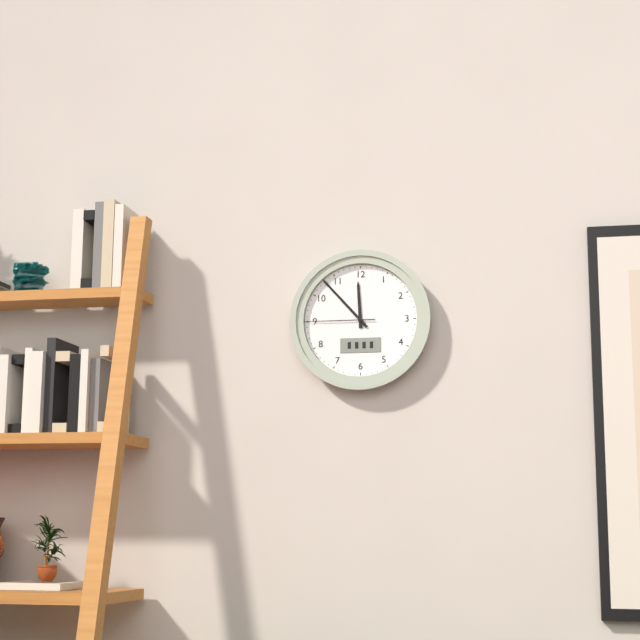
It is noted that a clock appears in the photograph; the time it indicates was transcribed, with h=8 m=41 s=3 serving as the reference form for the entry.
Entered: h=11 m=53 s=45
